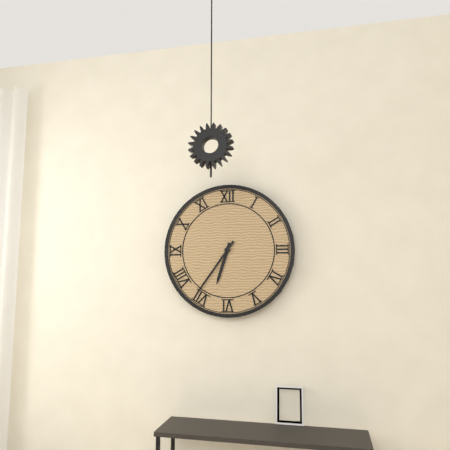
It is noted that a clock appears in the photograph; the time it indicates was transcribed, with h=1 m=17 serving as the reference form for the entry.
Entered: h=6 m=36
